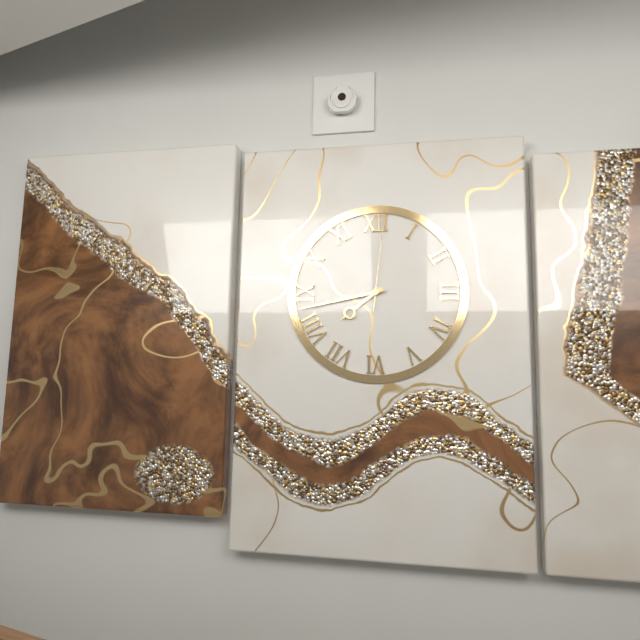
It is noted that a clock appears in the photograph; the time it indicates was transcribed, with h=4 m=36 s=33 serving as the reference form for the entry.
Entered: h=7 m=43 s=1
